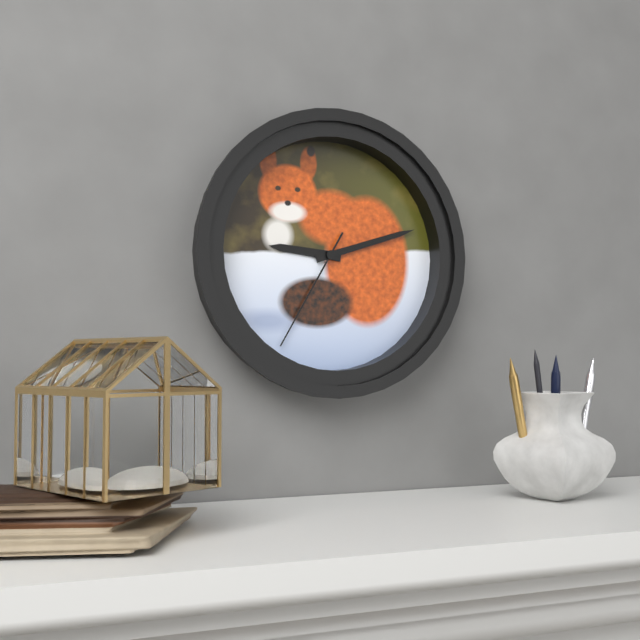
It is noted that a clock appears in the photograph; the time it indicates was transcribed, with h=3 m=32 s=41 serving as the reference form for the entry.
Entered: h=9 m=12 s=35
